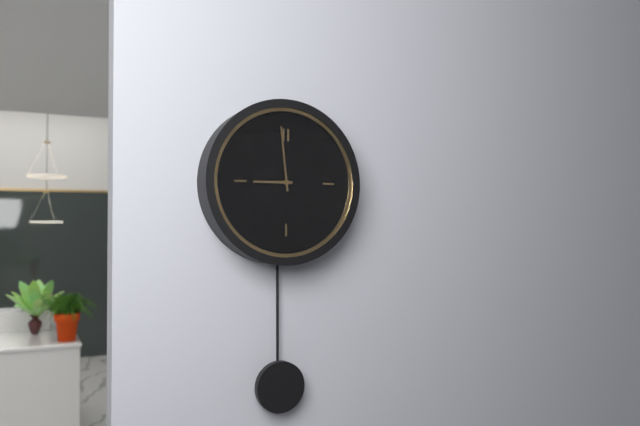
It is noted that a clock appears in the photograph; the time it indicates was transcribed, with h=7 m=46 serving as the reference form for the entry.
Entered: h=8 m=59
